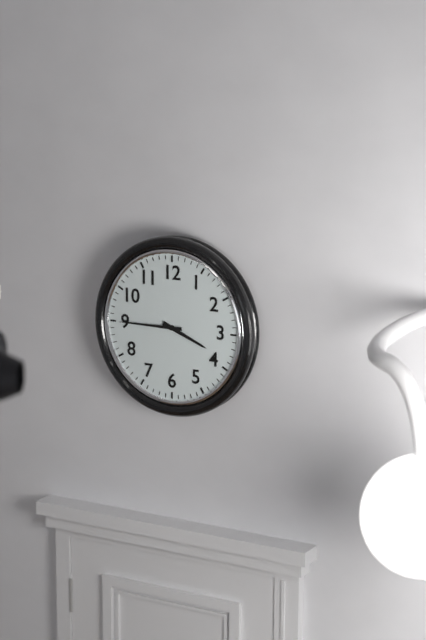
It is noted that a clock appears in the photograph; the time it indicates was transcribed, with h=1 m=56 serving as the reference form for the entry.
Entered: h=3 m=45
